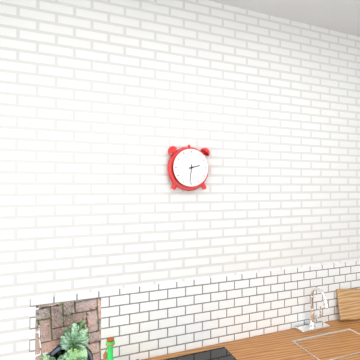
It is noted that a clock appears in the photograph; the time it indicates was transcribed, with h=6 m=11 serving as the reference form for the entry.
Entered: h=2 m=31
